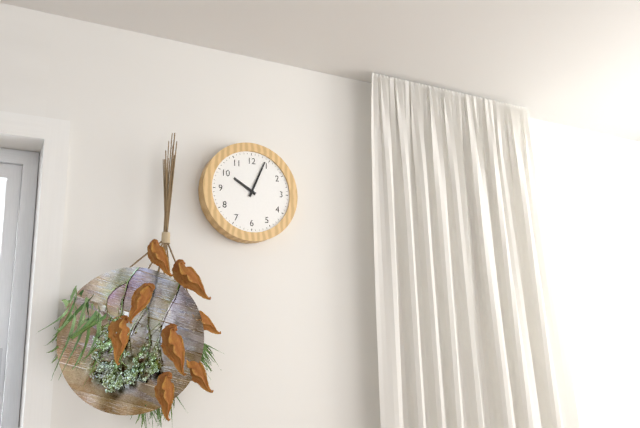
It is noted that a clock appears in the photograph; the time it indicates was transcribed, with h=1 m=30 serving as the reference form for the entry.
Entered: h=10 m=4
